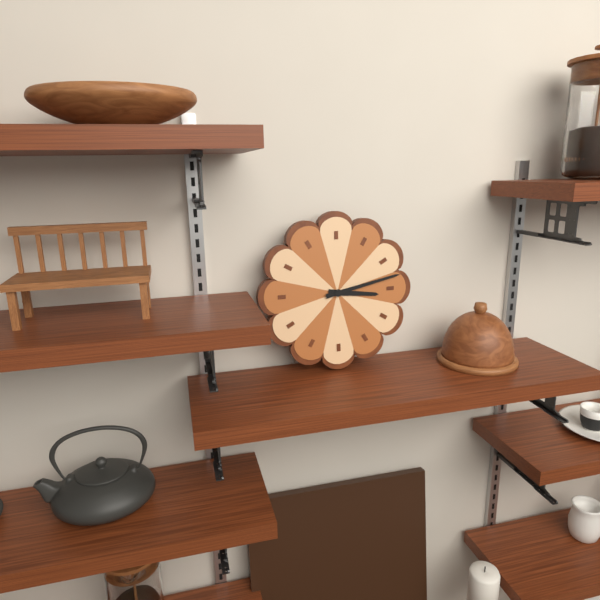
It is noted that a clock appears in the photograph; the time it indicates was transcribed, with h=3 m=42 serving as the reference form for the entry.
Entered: h=3 m=13
